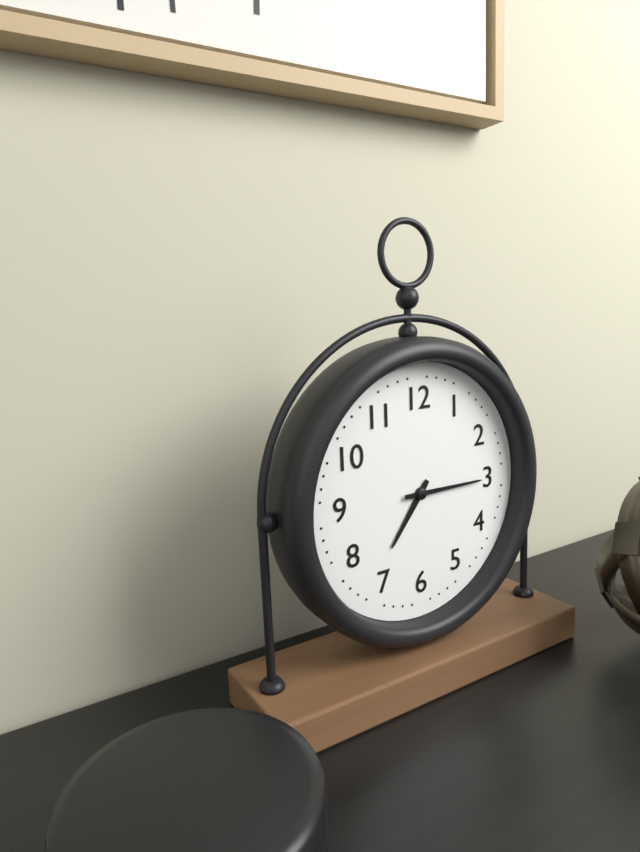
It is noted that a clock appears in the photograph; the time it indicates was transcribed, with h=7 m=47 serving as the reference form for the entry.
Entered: h=7 m=15
